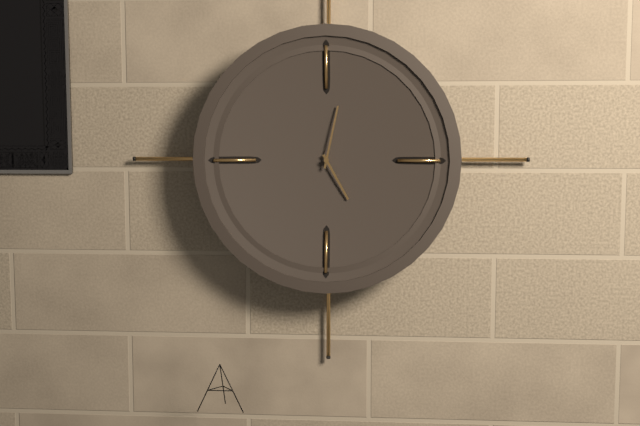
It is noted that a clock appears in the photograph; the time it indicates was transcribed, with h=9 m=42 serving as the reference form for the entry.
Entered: h=5 m=2
